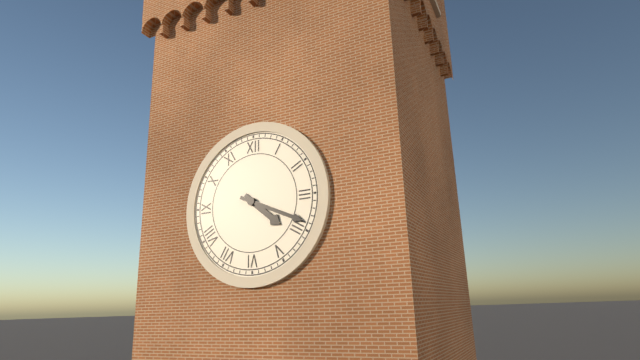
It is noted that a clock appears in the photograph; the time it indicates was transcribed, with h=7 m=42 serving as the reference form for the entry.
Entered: h=4 m=19
